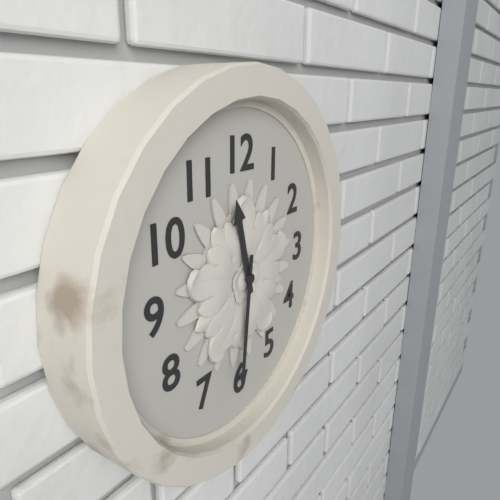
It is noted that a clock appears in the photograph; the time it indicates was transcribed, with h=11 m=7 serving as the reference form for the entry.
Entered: h=11 m=31
